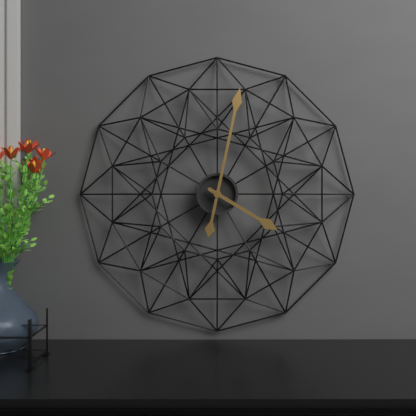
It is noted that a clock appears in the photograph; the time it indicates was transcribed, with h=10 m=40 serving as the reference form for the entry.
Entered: h=4 m=2
